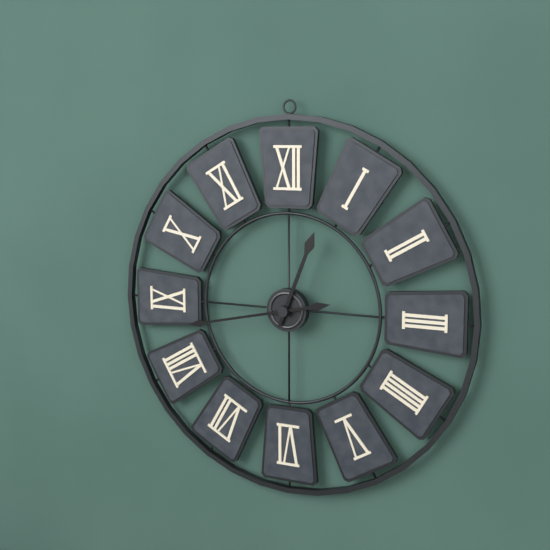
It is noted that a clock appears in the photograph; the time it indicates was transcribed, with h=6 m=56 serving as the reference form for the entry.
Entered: h=12 m=43
